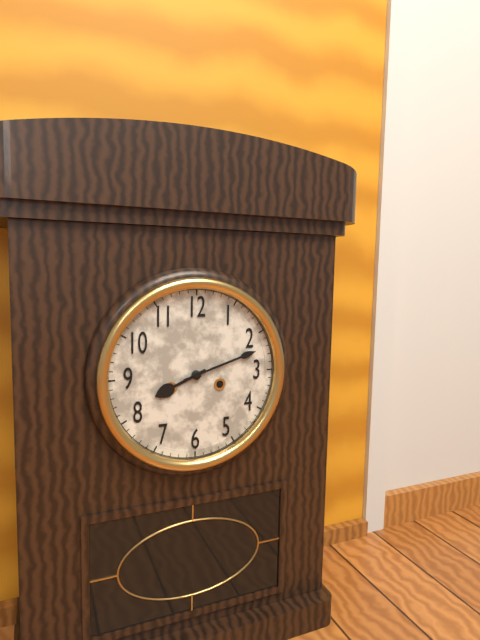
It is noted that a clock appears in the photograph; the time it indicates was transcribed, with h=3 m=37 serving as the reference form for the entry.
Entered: h=8 m=12
